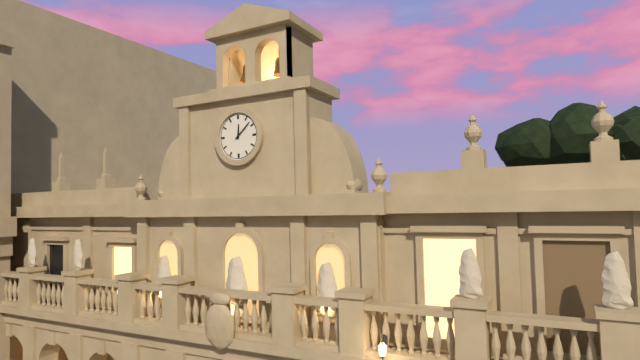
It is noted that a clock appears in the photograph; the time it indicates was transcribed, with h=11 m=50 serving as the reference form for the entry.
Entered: h=12 m=8
